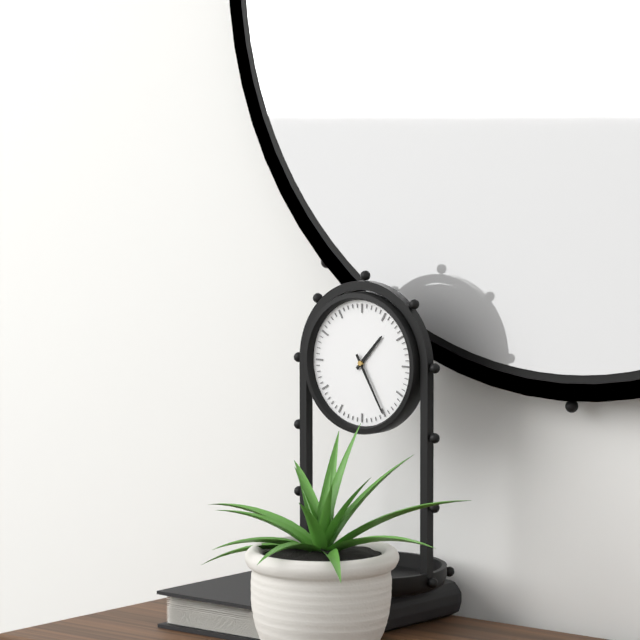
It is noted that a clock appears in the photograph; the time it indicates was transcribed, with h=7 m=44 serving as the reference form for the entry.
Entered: h=1 m=25
